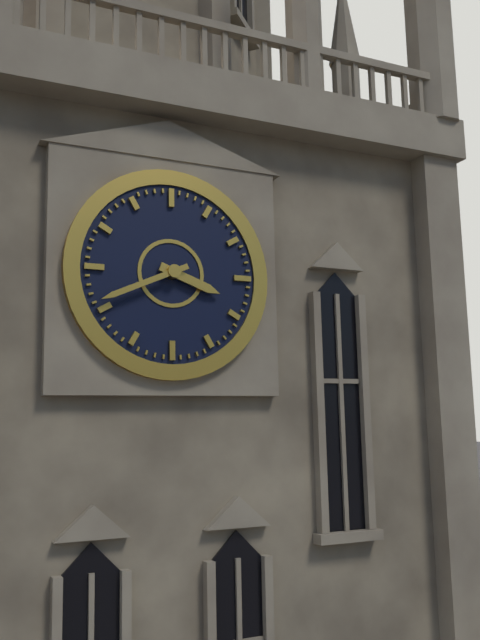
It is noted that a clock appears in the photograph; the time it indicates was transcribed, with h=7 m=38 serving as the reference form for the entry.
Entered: h=3 m=41
